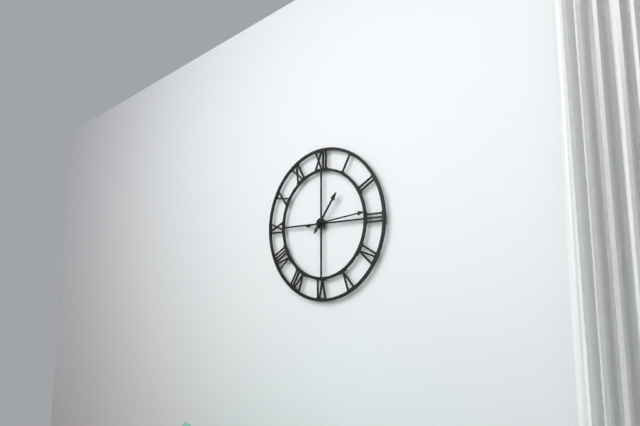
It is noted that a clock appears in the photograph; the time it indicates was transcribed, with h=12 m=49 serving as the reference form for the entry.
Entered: h=1 m=14
